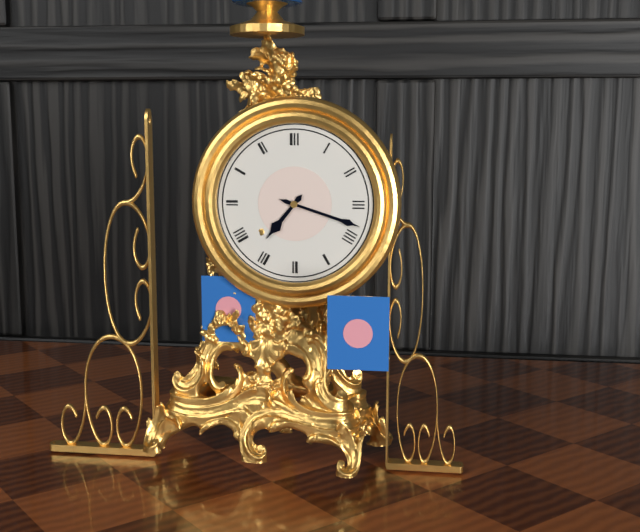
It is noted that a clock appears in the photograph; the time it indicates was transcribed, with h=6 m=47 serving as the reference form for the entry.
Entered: h=7 m=18
